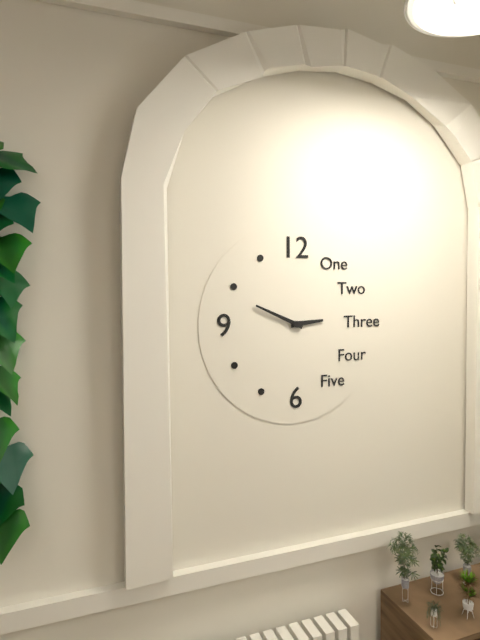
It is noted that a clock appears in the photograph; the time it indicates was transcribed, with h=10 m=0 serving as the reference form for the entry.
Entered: h=2 m=49
